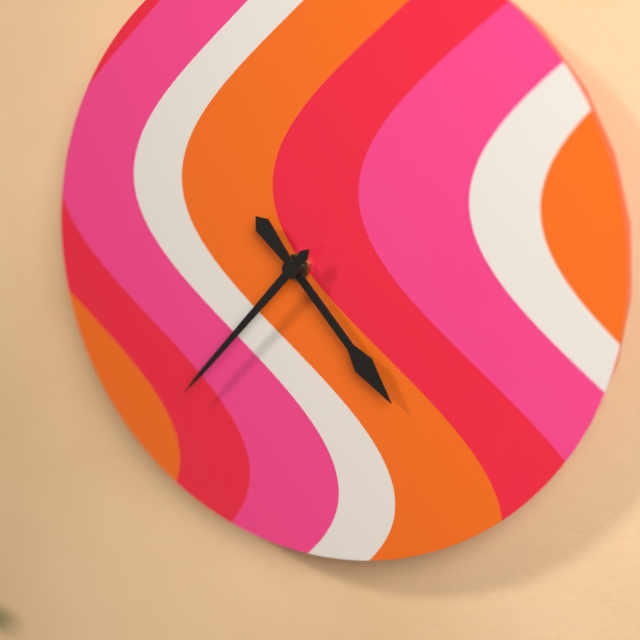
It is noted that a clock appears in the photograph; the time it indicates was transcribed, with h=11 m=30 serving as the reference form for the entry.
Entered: h=4 m=37
